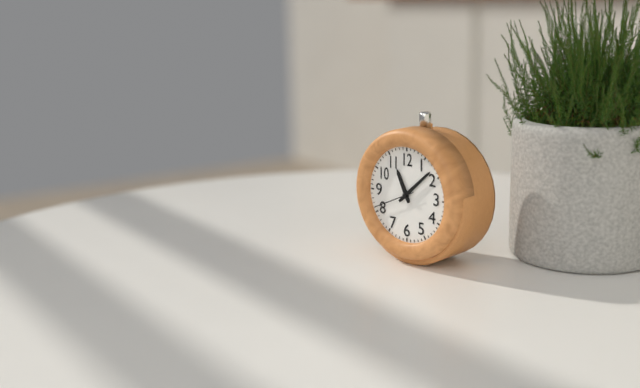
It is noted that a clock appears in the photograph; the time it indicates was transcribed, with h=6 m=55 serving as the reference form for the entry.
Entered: h=11 m=8
